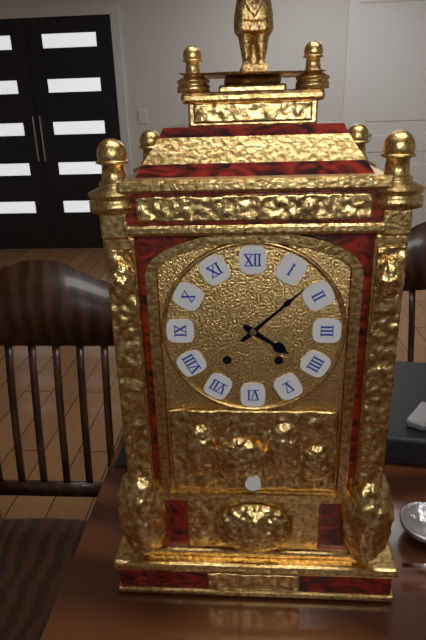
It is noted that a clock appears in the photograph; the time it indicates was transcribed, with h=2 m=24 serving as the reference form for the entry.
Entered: h=4 m=8
